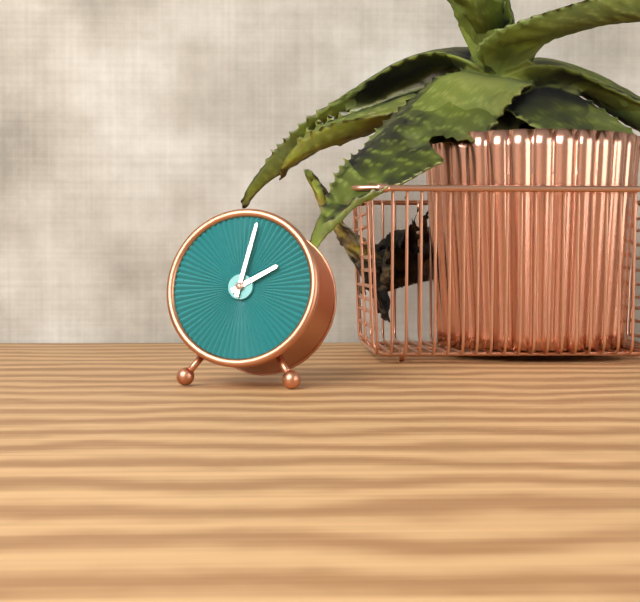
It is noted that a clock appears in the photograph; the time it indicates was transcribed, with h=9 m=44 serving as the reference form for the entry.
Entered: h=2 m=2
